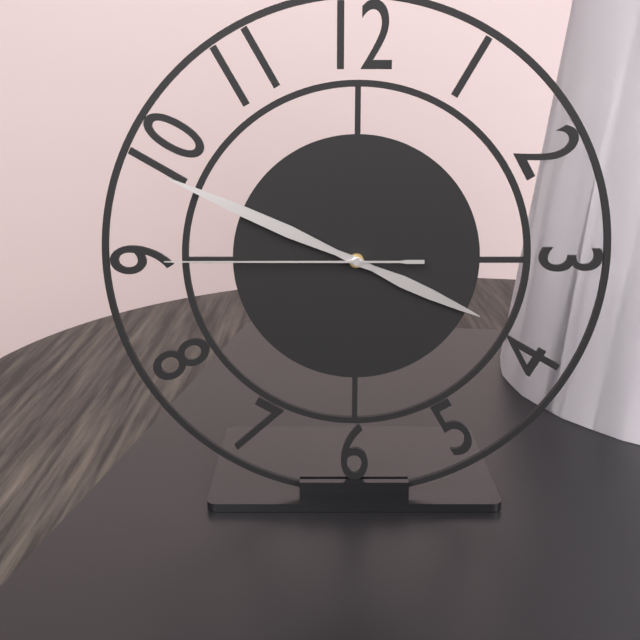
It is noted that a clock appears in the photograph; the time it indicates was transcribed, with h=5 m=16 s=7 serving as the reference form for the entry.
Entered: h=3 m=49 s=45
